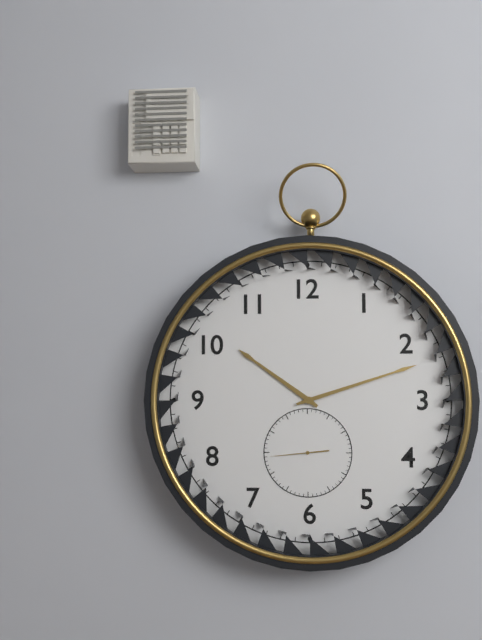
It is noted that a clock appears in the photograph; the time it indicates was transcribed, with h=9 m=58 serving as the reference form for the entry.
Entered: h=10 m=12
